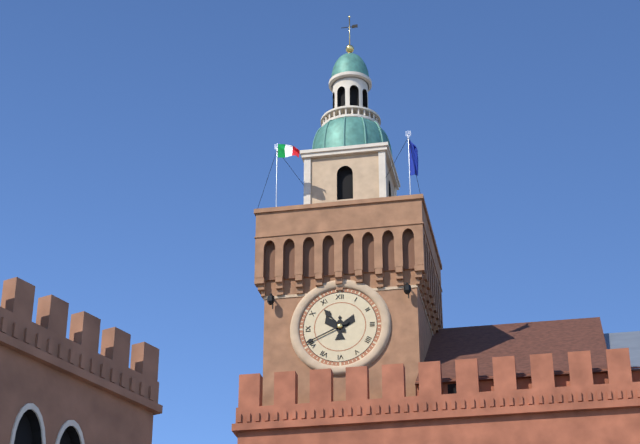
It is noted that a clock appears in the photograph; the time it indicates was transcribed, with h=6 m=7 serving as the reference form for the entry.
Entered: h=10 m=41
